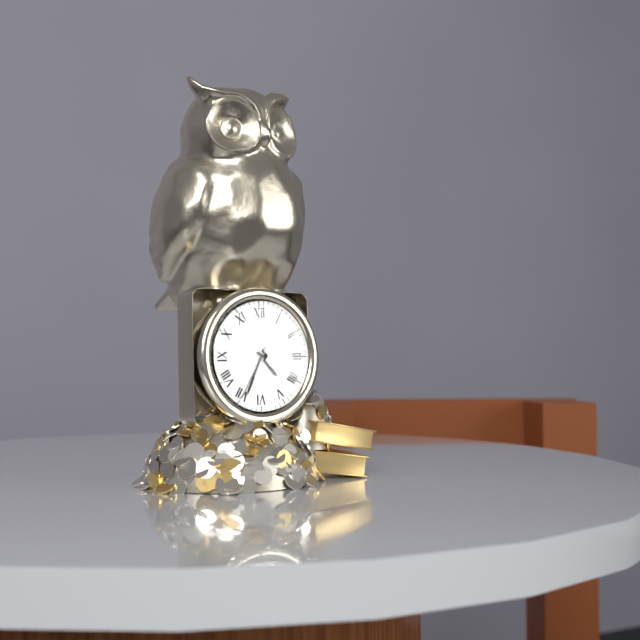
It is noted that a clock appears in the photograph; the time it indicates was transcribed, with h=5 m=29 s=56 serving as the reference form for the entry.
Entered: h=4 m=34 s=35
